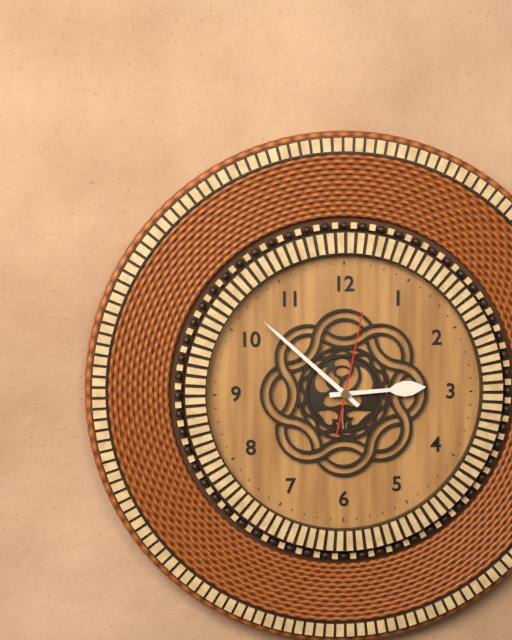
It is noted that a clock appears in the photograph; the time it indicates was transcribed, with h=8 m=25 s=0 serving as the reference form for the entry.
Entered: h=2 m=52 s=2
